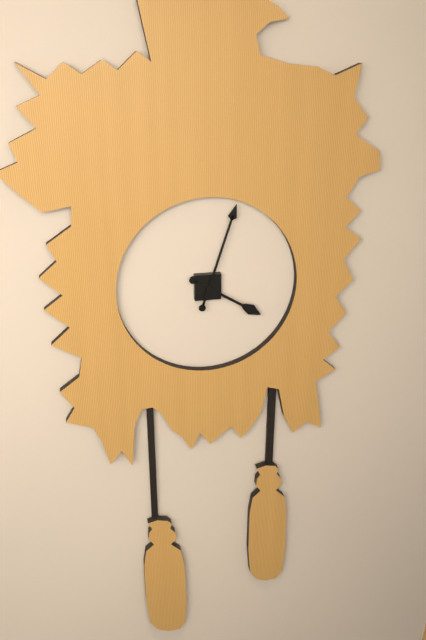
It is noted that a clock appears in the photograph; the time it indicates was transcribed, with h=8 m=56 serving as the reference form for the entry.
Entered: h=4 m=3
